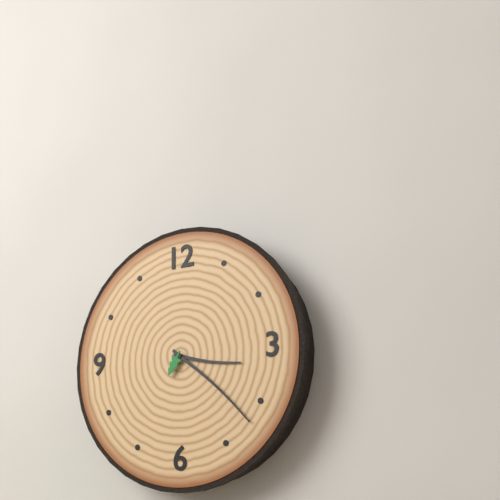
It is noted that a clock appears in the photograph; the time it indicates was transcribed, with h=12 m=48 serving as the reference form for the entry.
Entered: h=3 m=22
